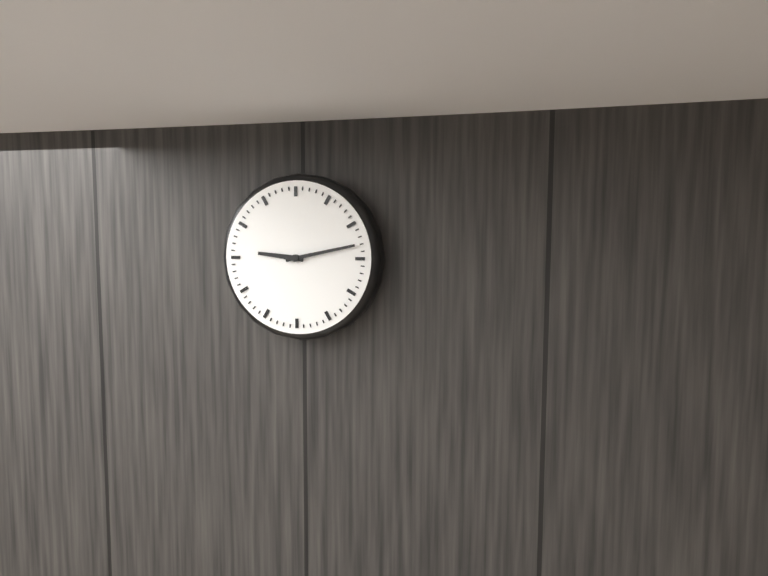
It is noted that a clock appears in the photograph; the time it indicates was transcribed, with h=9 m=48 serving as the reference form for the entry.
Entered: h=9 m=13
